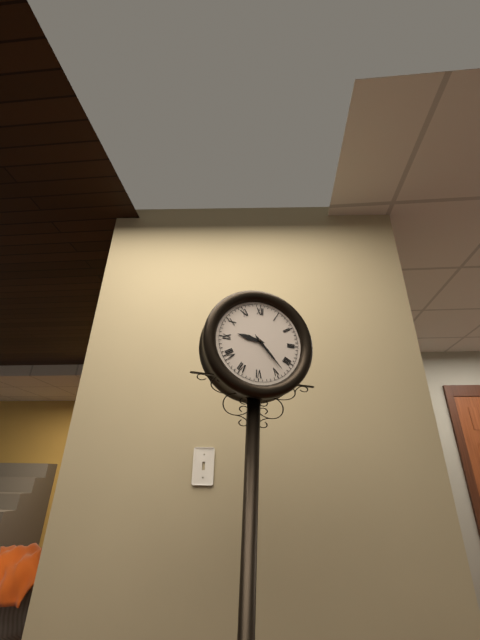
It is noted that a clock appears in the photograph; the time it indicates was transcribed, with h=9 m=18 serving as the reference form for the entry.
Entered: h=9 m=23
